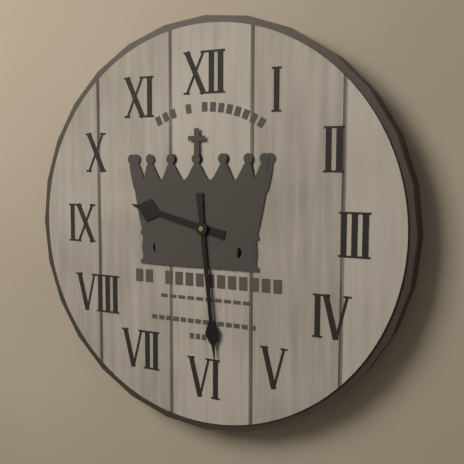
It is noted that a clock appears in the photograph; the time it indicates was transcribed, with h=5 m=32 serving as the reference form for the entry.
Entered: h=9 m=29
